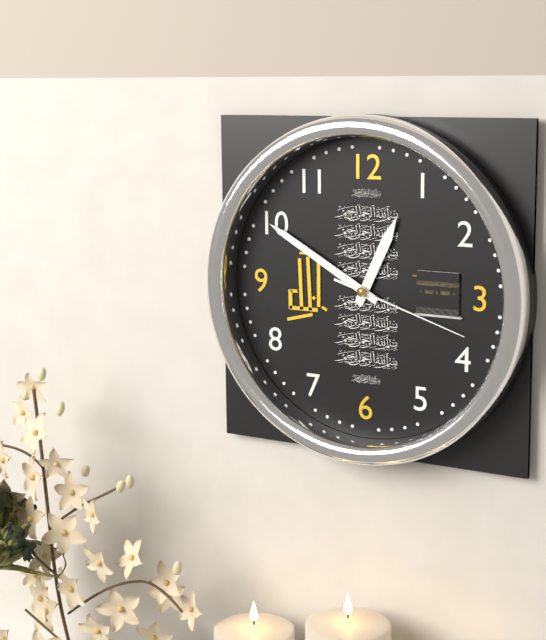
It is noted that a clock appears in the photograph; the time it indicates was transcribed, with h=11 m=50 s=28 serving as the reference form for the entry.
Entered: h=12 m=50 s=18
